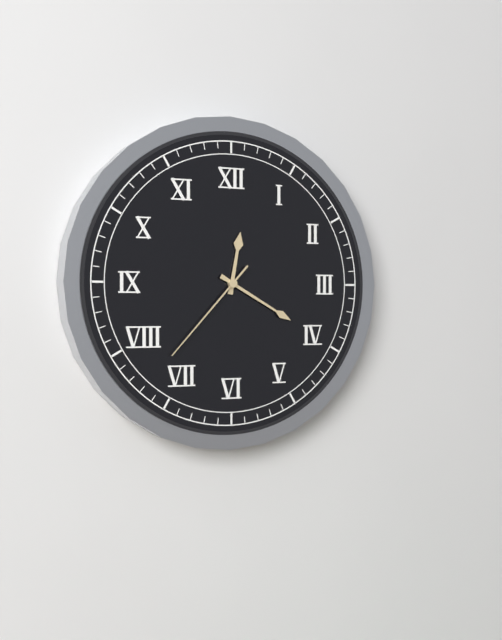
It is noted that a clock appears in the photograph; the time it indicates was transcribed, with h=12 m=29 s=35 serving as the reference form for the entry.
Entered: h=12 m=20 s=37
